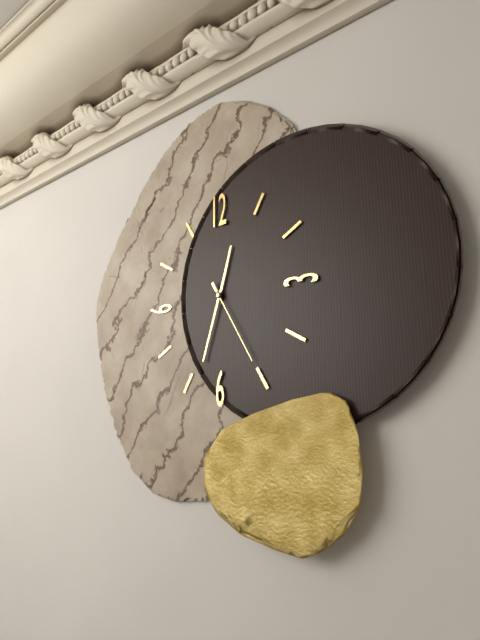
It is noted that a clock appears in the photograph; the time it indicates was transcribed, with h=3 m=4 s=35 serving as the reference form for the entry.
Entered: h=12 m=33 s=25
